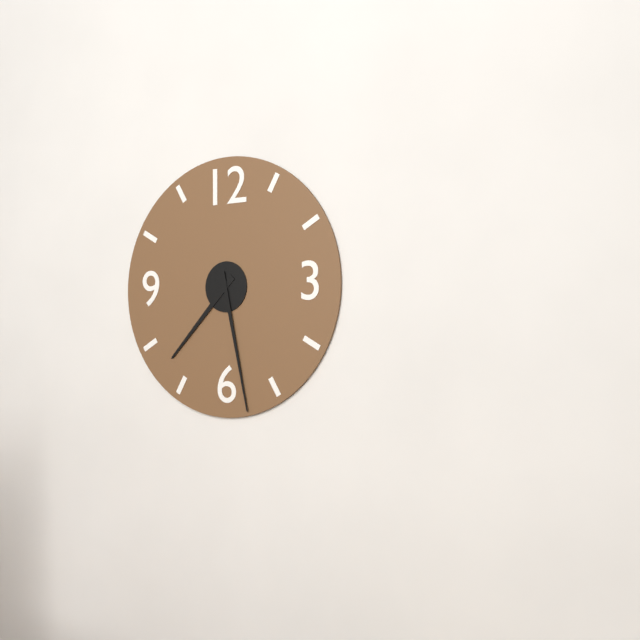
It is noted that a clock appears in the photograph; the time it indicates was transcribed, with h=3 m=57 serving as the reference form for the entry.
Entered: h=7 m=28
